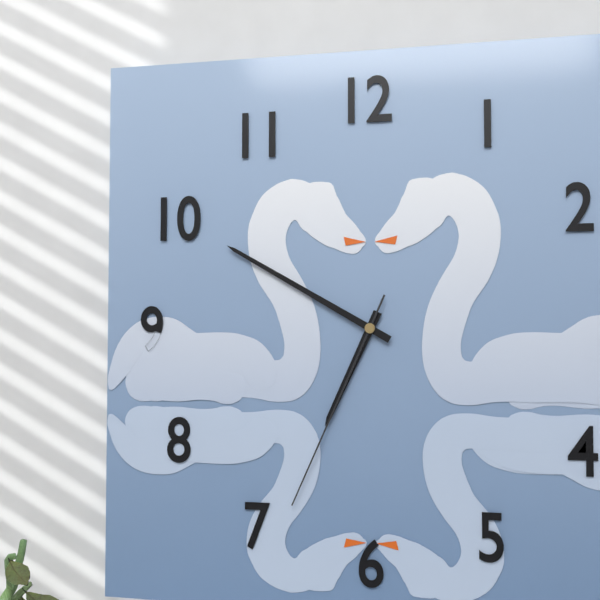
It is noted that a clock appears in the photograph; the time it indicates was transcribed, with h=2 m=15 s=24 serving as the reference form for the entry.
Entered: h=6 m=50 s=34
